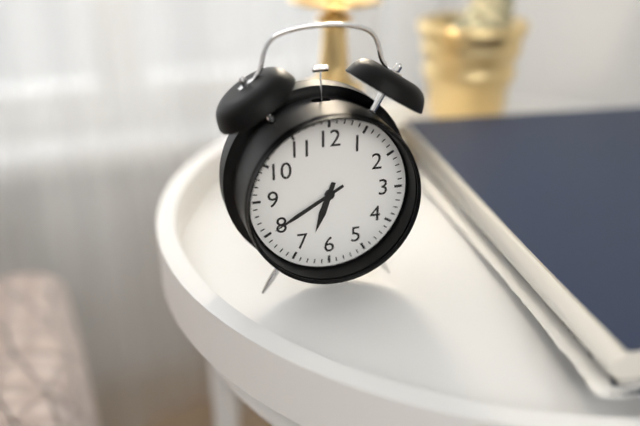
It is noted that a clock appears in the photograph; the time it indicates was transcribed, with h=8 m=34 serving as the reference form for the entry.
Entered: h=6 m=40
